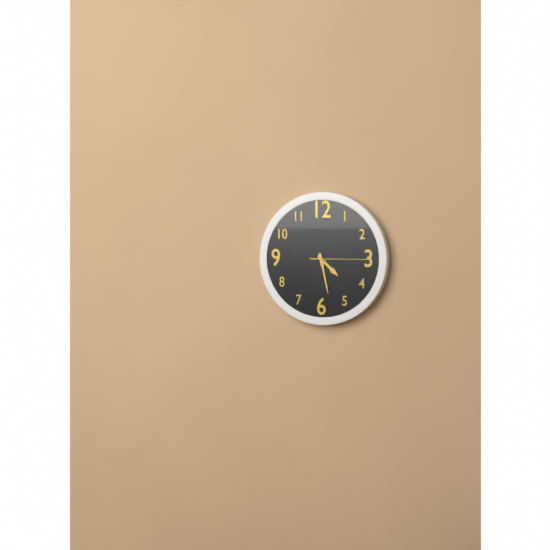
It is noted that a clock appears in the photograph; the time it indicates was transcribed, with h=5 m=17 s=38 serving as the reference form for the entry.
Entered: h=4 m=28 s=15
